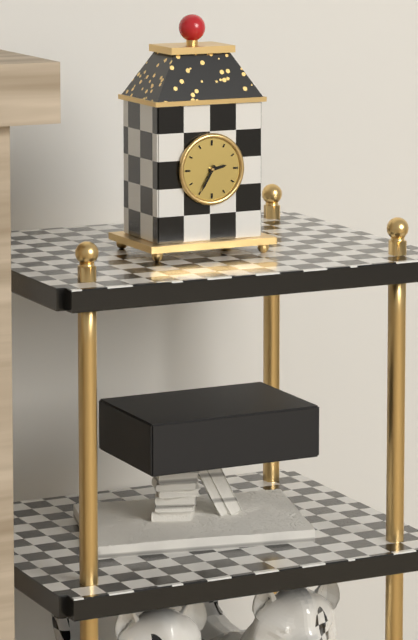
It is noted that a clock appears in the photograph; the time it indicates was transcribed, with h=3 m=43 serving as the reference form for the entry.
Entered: h=2 m=35
